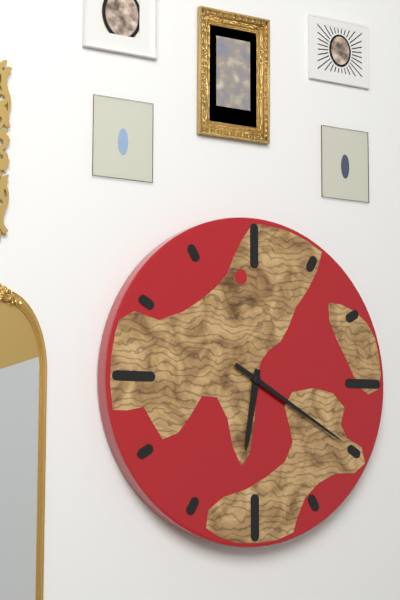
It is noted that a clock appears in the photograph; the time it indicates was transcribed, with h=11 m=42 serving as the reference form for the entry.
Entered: h=6 m=20
